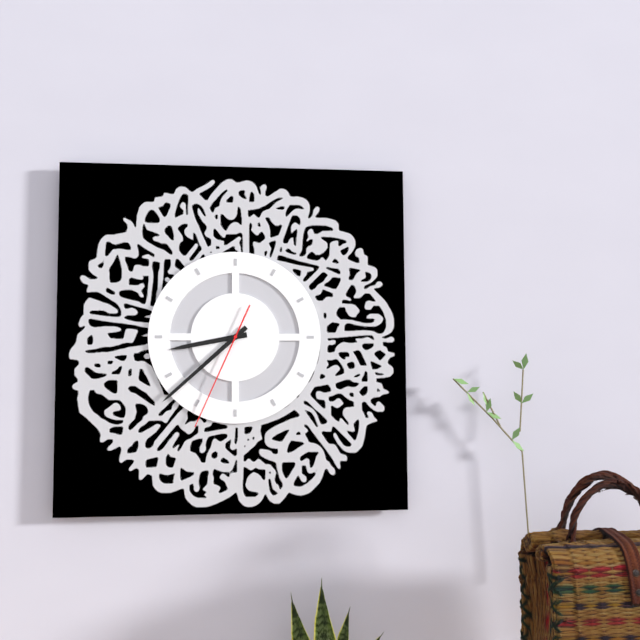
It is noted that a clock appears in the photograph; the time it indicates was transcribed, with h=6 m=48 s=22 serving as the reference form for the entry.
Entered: h=8 m=38 s=34
